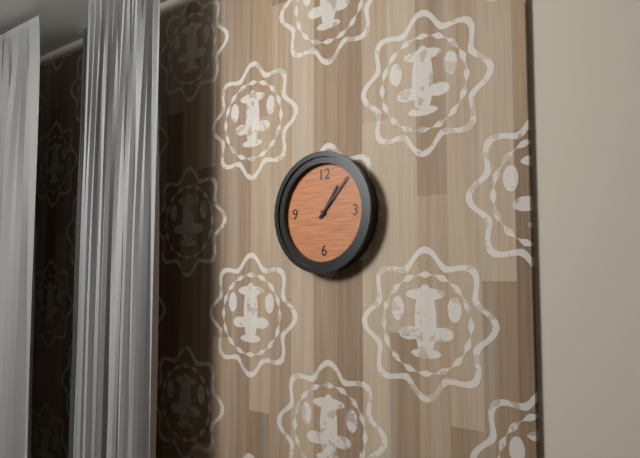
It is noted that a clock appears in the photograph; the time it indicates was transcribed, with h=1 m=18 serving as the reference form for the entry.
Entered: h=1 m=7
